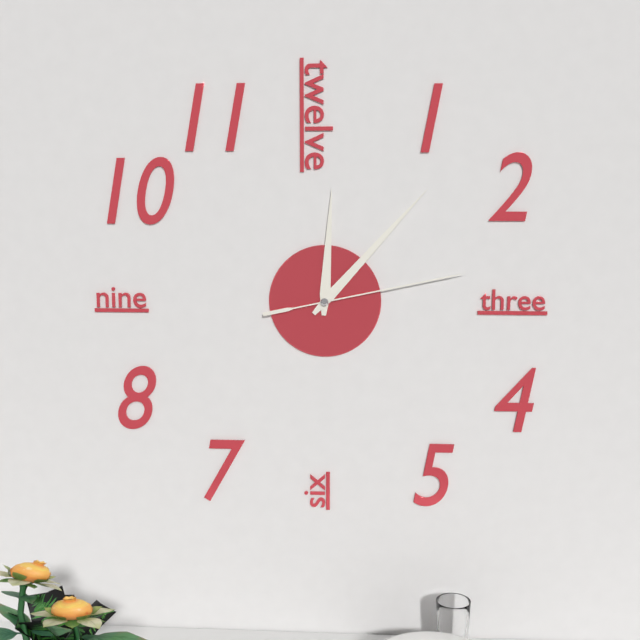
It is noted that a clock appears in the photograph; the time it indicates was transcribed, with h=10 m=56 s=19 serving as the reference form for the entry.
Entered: h=12 m=7 s=13
